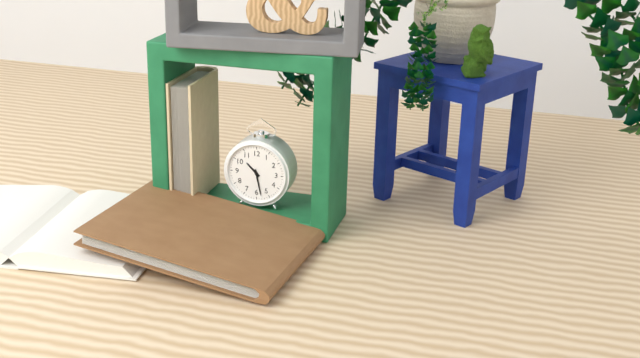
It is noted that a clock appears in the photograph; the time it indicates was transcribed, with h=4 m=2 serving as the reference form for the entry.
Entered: h=10 m=28
